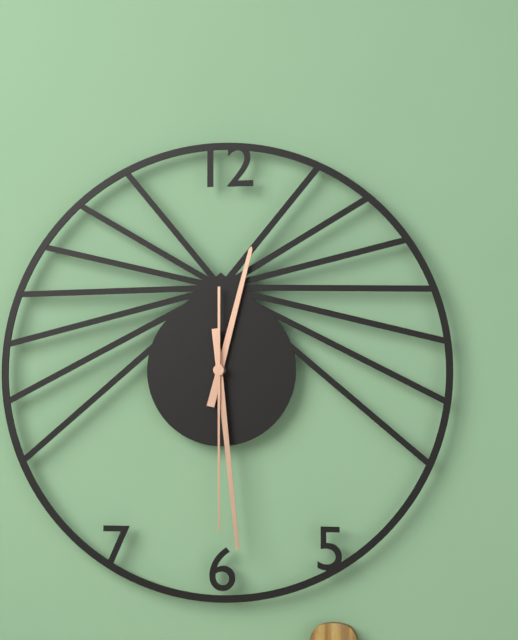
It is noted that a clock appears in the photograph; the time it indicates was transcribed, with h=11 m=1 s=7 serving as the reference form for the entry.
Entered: h=12 m=29 s=30
